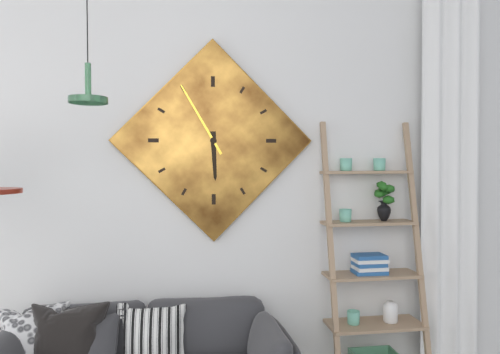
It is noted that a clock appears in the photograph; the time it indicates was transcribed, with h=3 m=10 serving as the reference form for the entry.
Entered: h=5 m=55
